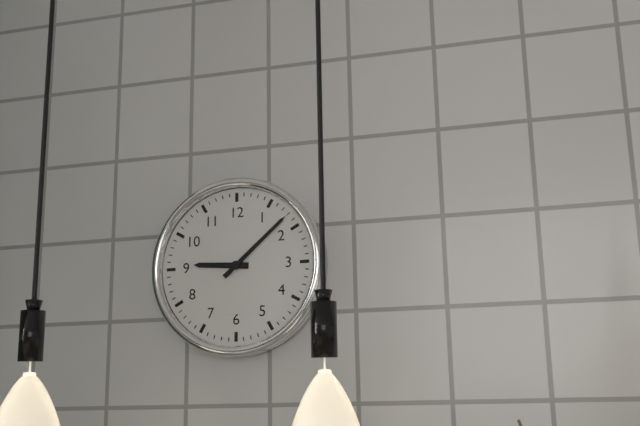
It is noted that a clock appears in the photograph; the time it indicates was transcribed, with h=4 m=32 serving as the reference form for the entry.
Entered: h=9 m=8
